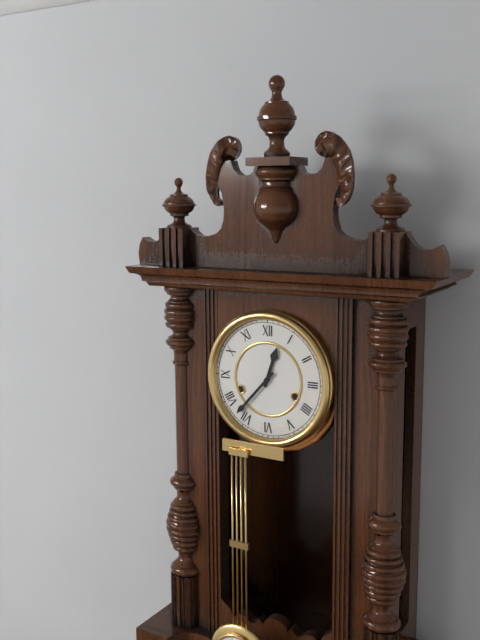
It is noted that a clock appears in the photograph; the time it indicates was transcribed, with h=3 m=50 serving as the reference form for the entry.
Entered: h=12 m=37
